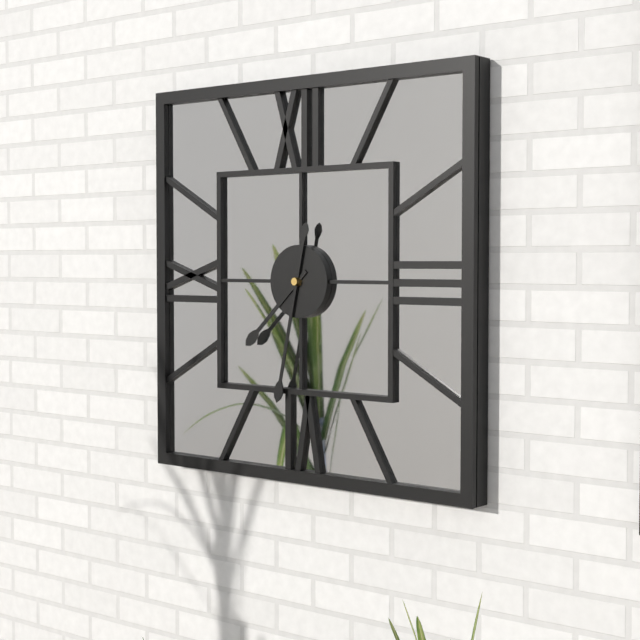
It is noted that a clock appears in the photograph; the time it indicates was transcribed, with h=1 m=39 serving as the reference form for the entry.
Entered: h=7 m=32
